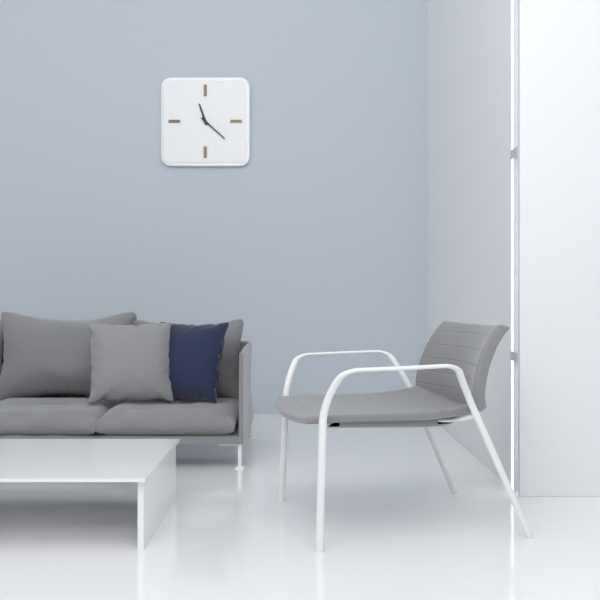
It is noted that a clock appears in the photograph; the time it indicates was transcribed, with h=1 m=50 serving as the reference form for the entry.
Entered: h=11 m=22
